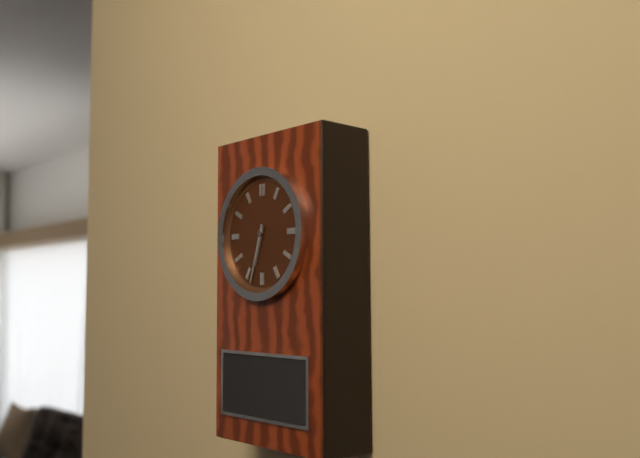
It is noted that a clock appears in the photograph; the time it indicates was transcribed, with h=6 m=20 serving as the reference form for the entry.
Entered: h=6 m=33
